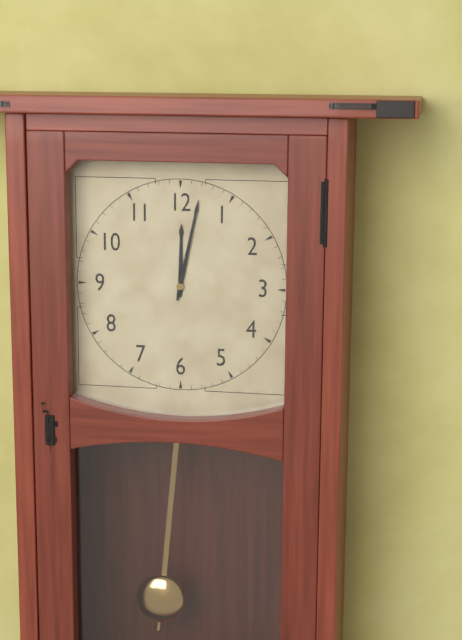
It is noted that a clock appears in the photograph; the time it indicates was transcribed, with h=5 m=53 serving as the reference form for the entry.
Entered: h=12 m=2
